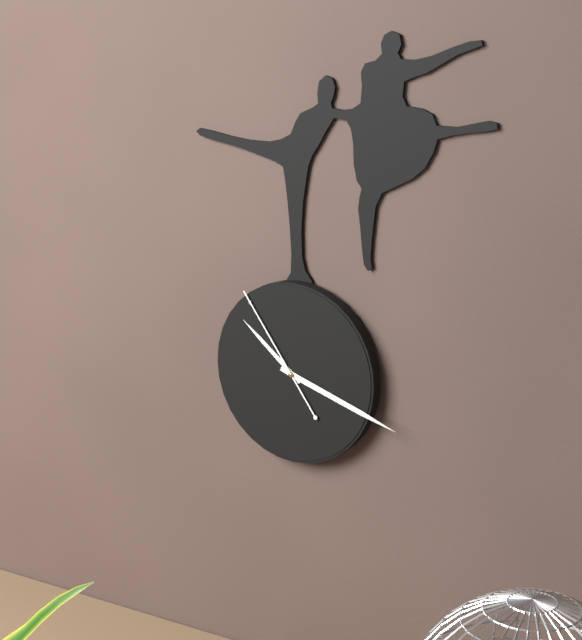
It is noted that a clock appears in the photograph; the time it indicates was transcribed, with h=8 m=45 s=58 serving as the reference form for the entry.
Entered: h=10 m=18 s=54
